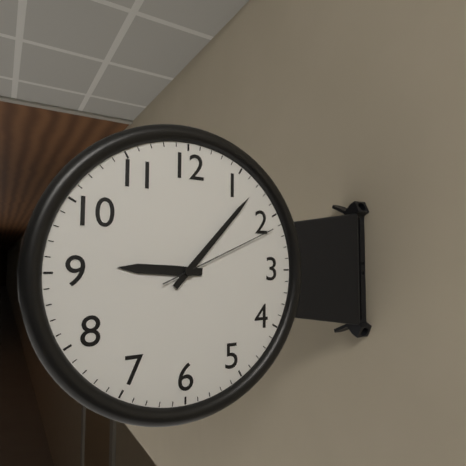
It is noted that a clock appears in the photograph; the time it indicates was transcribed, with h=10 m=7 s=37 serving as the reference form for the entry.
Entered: h=9 m=7 s=11
